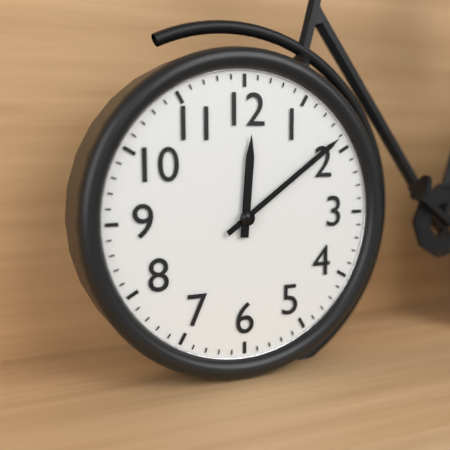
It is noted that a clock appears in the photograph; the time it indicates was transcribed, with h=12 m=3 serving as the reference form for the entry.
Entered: h=12 m=9
